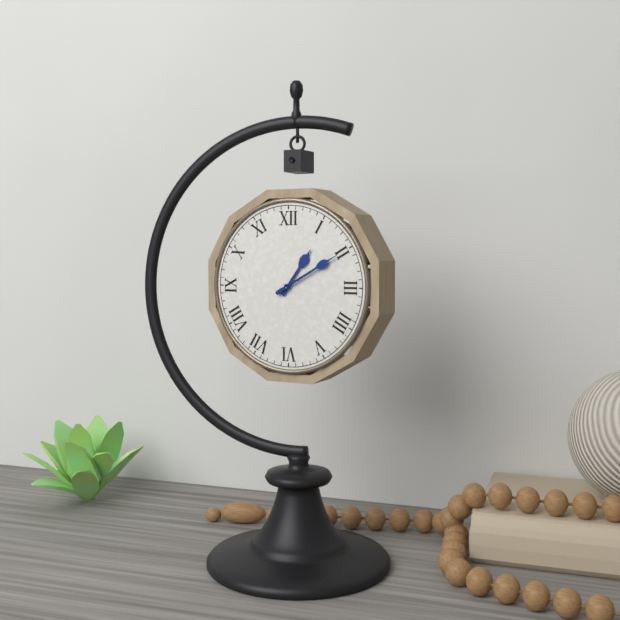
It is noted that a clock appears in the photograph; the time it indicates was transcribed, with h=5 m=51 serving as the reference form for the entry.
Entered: h=1 m=10
